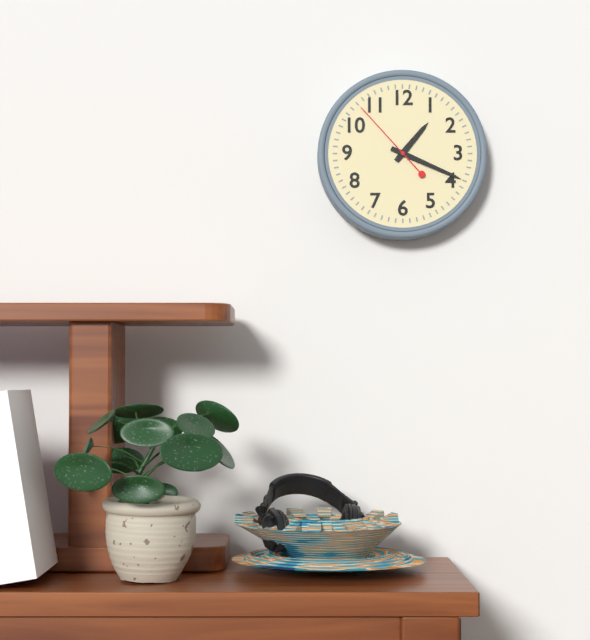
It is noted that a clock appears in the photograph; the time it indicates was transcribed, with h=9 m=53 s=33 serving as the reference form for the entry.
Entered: h=1 m=19 s=53
